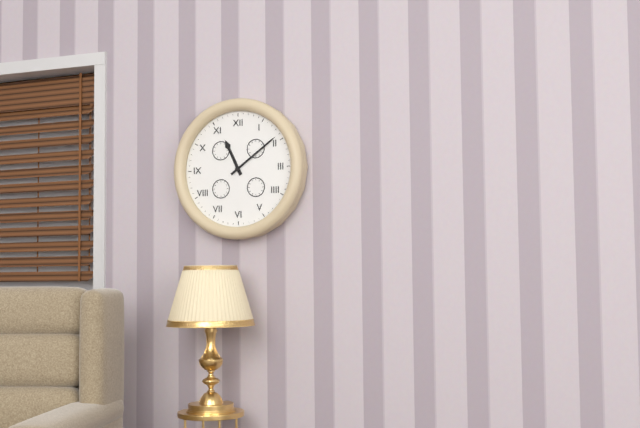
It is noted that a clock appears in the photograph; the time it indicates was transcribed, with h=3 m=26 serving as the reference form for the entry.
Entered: h=11 m=9
